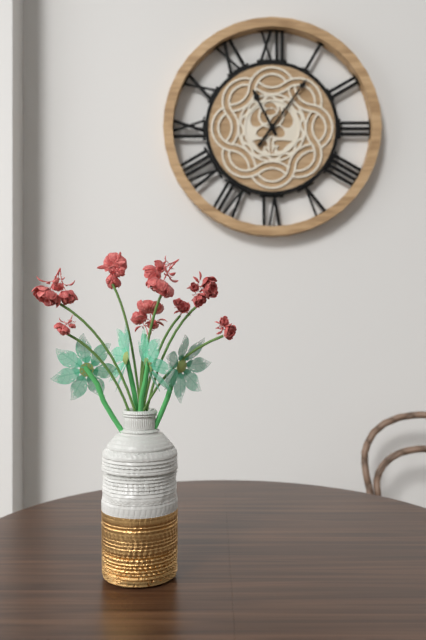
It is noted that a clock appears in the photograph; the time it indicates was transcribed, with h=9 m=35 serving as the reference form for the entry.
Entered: h=11 m=6
